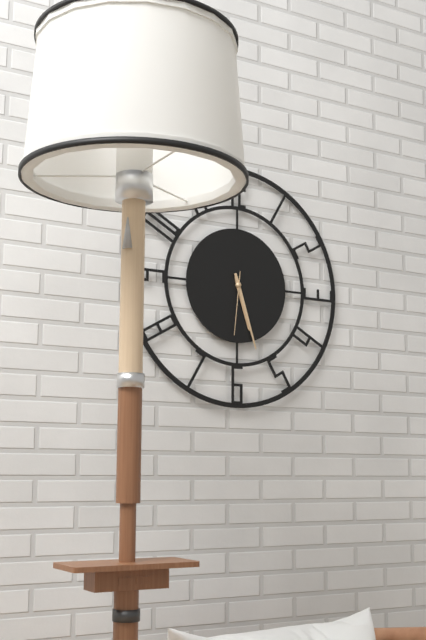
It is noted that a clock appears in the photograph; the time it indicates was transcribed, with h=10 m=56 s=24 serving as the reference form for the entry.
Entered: h=5 m=27 s=31
